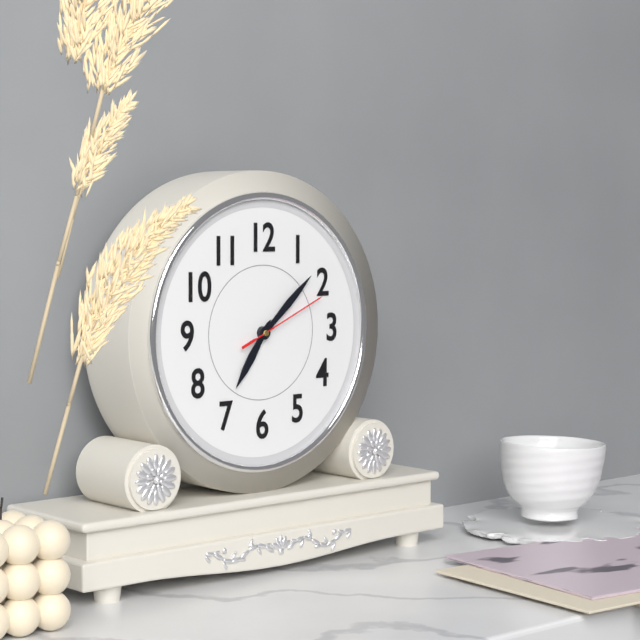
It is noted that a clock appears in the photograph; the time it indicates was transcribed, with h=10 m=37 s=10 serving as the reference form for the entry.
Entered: h=7 m=8 s=11
